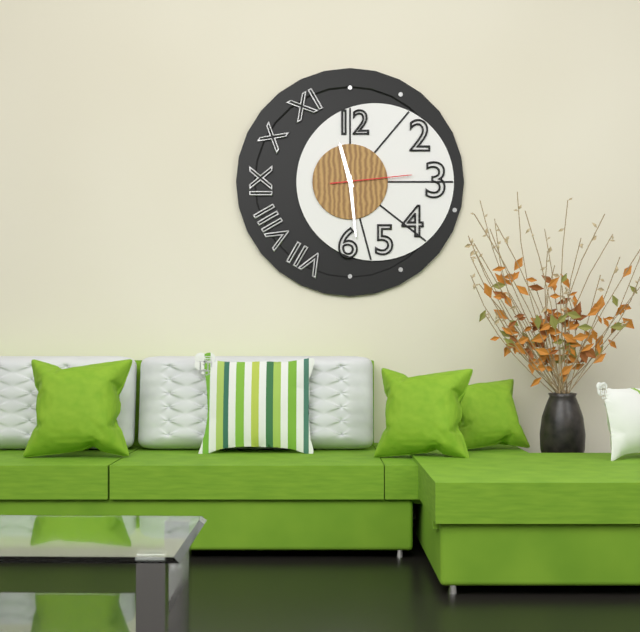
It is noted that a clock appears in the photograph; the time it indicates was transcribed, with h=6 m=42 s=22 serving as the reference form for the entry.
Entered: h=11 m=29 s=14
